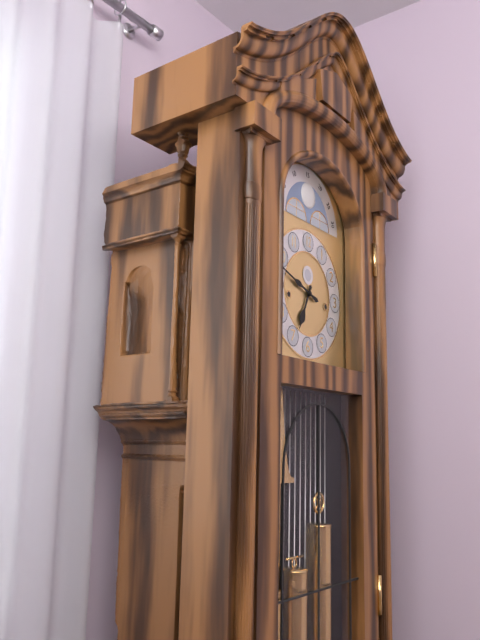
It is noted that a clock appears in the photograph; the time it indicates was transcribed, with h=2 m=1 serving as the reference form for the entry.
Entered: h=6 m=48
